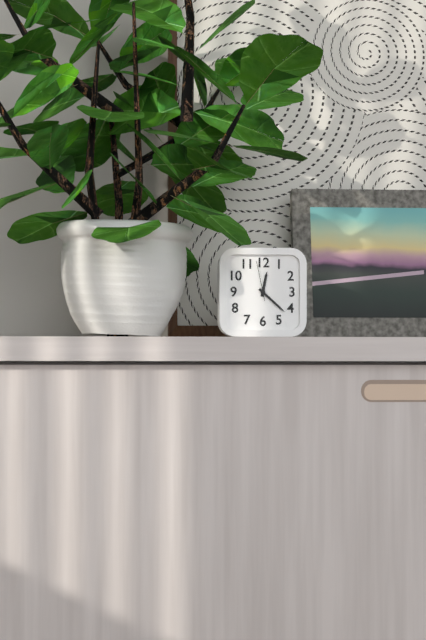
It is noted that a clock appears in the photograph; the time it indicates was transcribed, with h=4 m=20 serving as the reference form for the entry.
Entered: h=12 m=22
